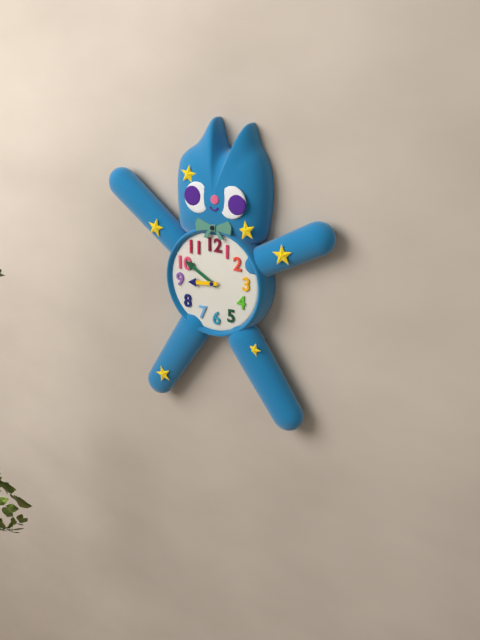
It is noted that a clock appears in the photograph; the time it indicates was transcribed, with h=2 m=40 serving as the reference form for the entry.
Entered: h=8 m=50
